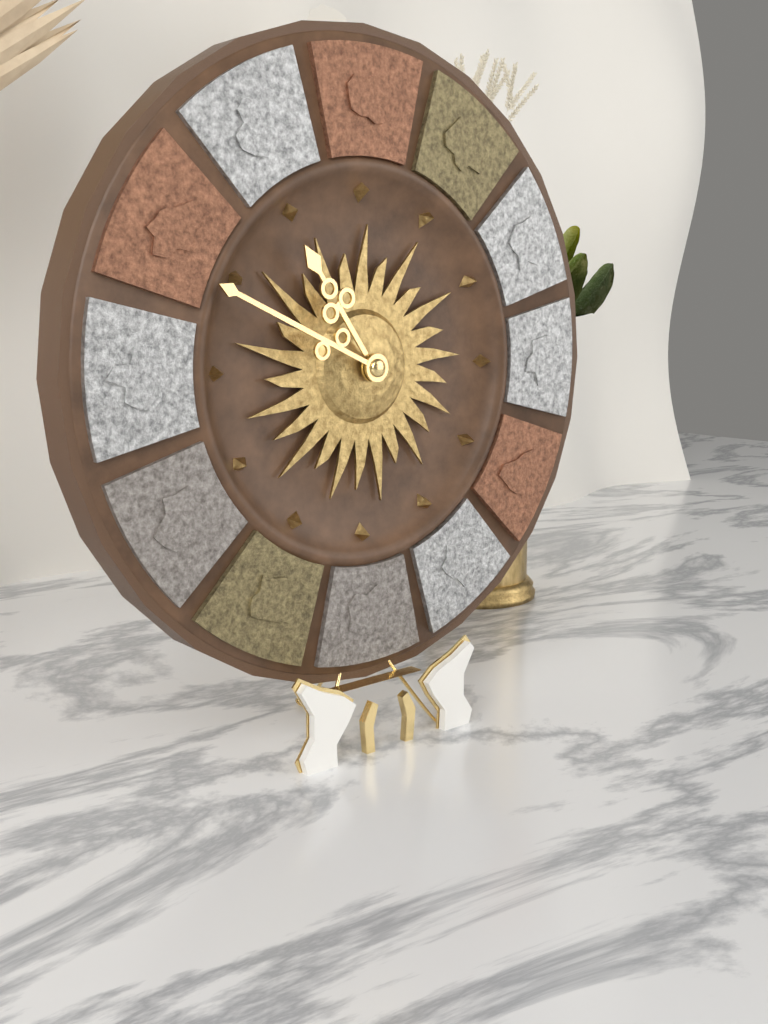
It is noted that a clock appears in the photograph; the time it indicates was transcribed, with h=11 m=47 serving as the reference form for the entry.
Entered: h=10 m=49
